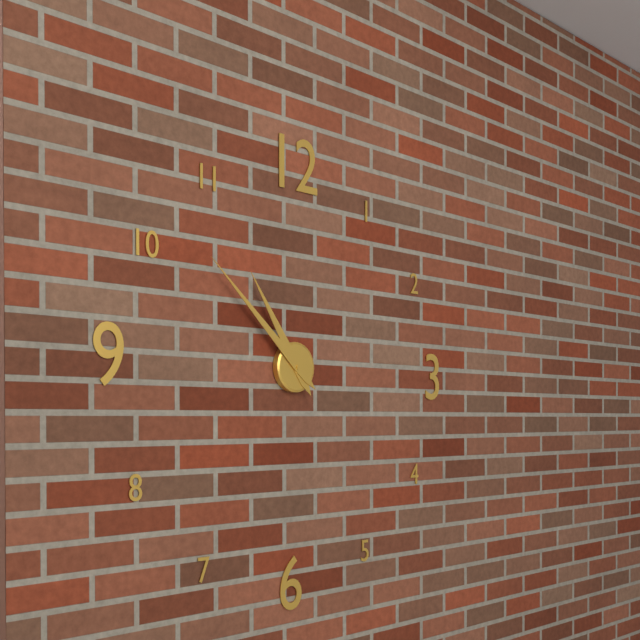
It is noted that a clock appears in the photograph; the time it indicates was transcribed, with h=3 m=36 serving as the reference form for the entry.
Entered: h=10 m=52
